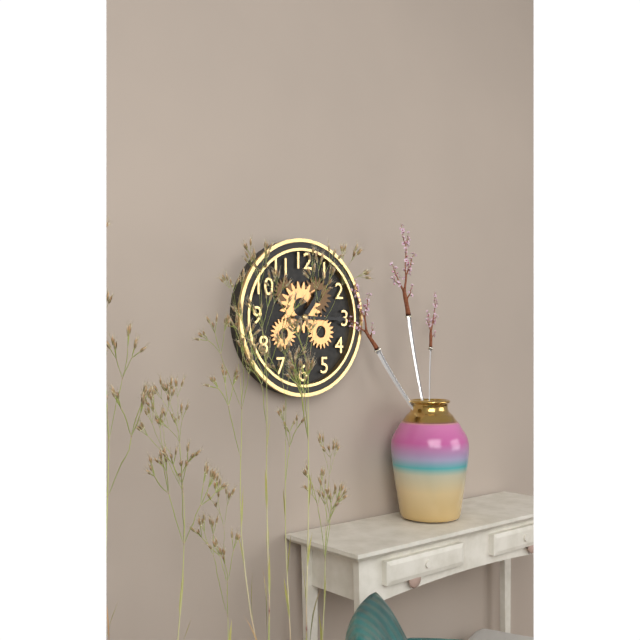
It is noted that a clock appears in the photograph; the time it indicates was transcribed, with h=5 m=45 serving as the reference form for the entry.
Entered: h=1 m=15
